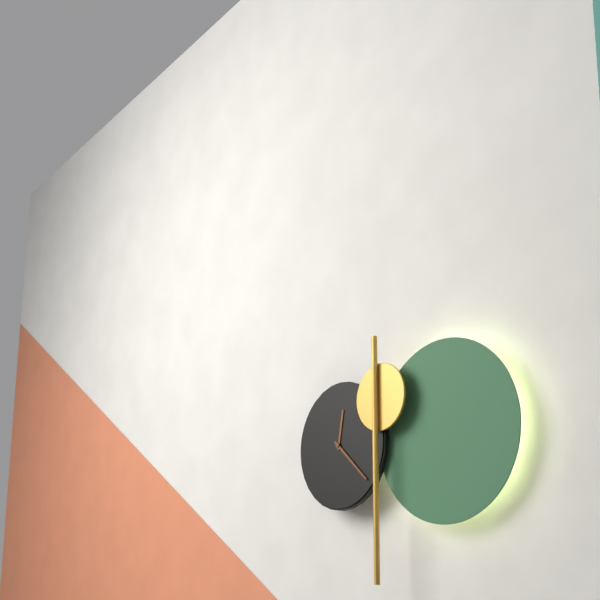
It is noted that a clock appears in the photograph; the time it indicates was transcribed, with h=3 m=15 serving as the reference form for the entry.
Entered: h=12 m=22
